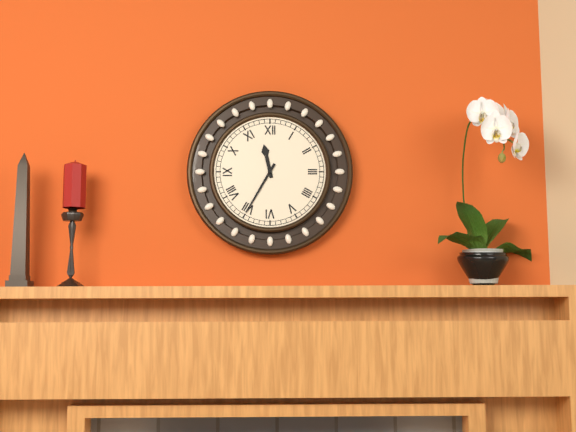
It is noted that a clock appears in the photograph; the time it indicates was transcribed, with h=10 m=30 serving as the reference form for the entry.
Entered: h=11 m=35
